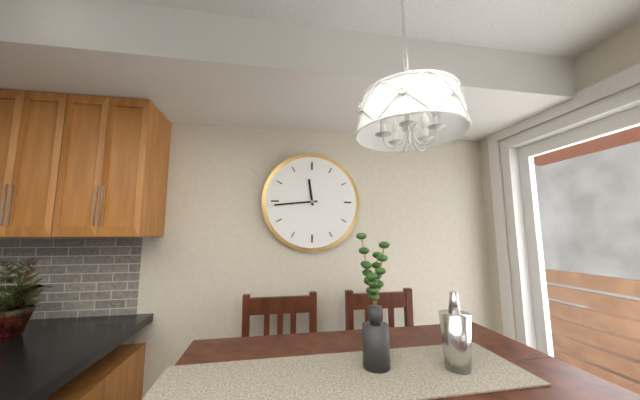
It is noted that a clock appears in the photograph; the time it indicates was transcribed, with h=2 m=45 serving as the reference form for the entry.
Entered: h=11 m=44
